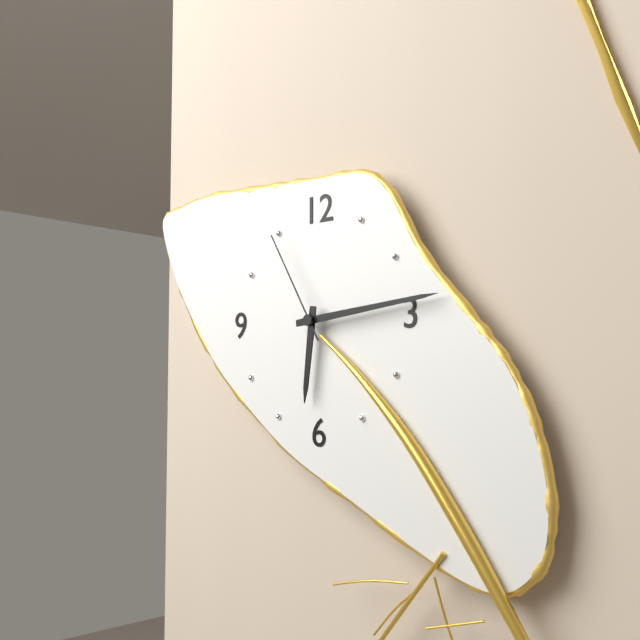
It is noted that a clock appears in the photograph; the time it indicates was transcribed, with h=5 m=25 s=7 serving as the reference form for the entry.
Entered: h=6 m=14 s=55
